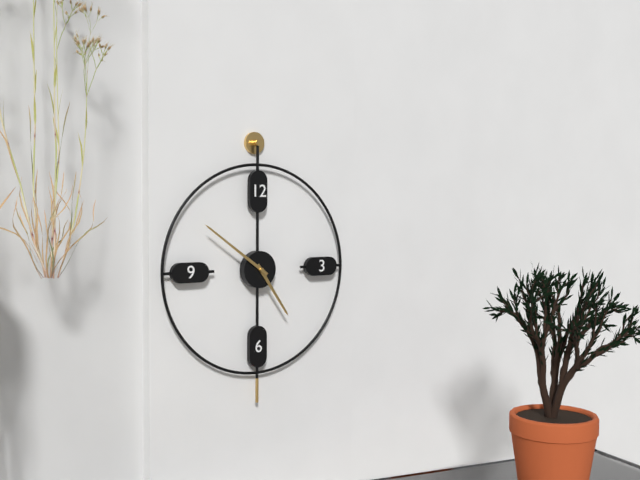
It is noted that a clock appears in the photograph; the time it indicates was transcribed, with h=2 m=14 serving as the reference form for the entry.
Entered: h=4 m=51
